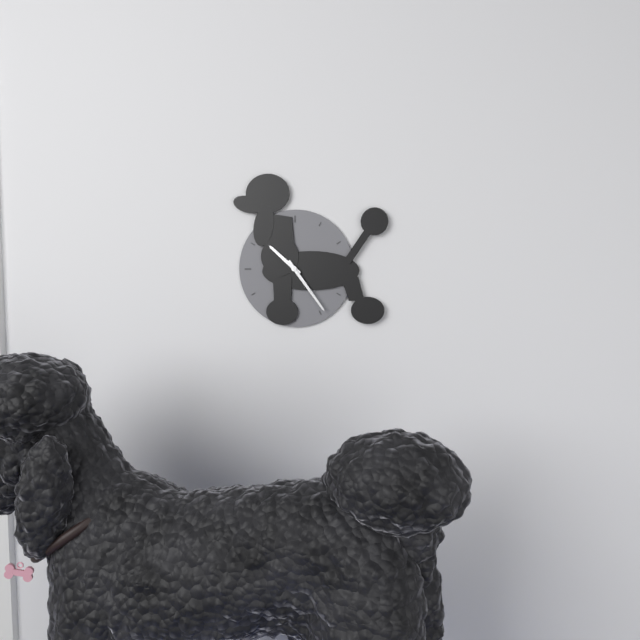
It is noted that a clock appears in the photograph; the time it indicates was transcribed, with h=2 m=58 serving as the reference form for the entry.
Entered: h=10 m=24
